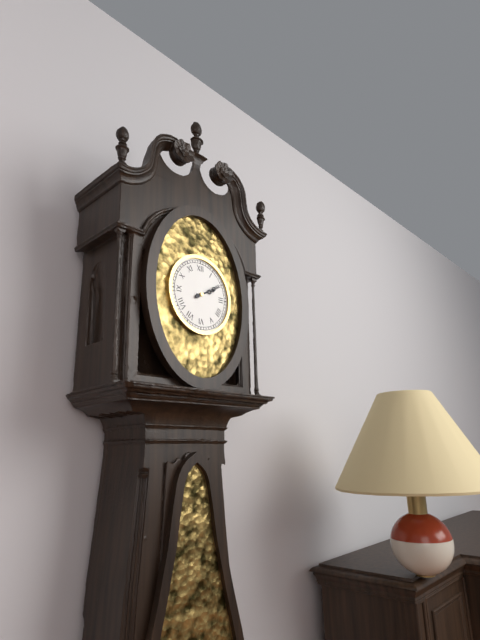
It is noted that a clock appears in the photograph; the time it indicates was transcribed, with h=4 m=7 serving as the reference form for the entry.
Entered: h=2 m=10
